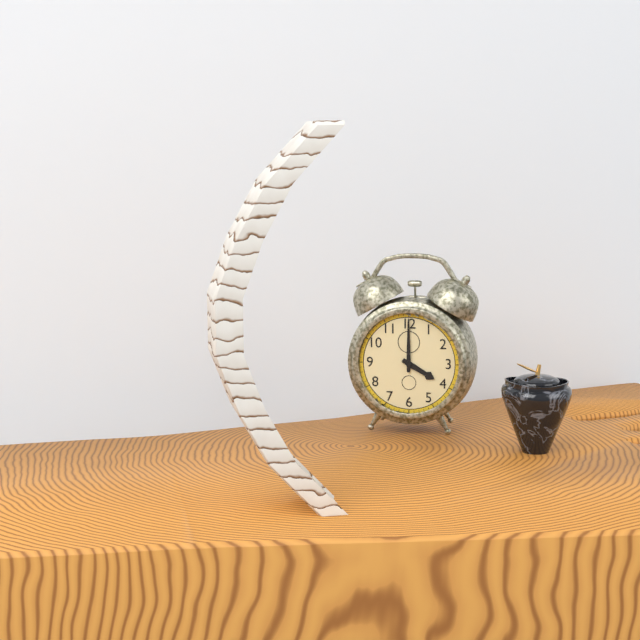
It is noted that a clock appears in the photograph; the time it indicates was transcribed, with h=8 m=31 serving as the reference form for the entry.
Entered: h=4 m=0
